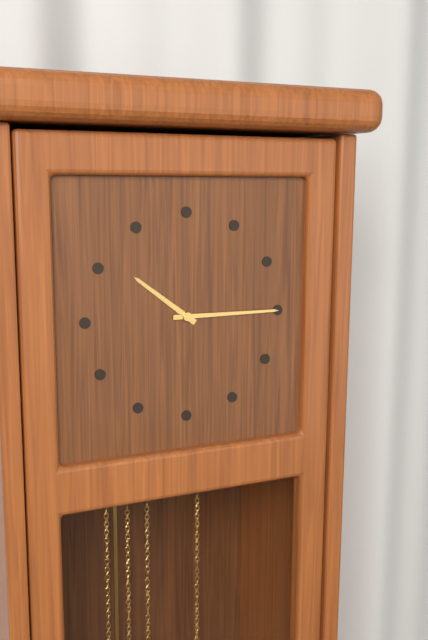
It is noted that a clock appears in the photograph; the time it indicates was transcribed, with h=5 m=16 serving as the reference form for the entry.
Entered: h=10 m=15
